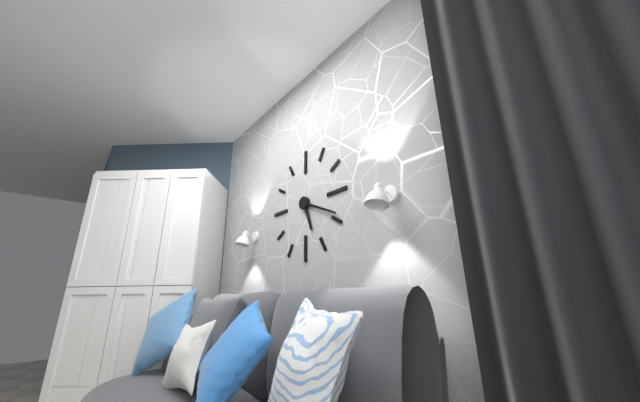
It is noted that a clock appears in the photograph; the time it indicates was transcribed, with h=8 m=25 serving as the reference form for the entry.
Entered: h=5 m=19
